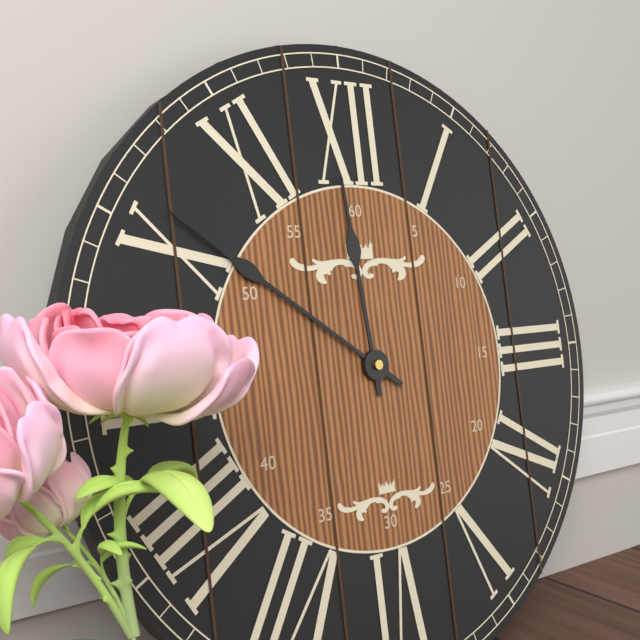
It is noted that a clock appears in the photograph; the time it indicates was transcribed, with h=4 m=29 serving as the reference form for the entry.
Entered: h=11 m=51
